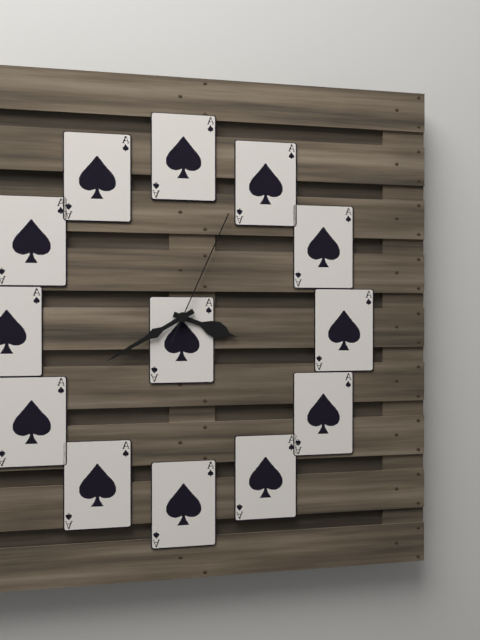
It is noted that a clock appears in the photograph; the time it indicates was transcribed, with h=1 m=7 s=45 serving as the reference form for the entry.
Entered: h=3 m=40 s=4
